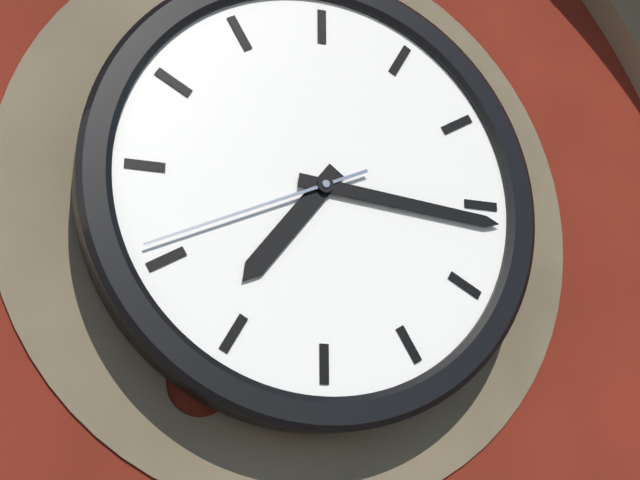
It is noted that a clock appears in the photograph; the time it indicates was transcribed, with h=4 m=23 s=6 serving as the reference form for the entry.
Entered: h=7 m=16 s=41
